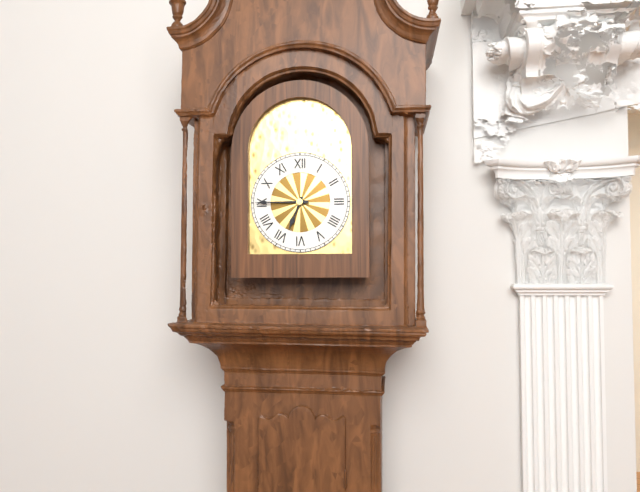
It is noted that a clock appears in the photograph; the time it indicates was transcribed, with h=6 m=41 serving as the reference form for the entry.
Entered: h=6 m=45
